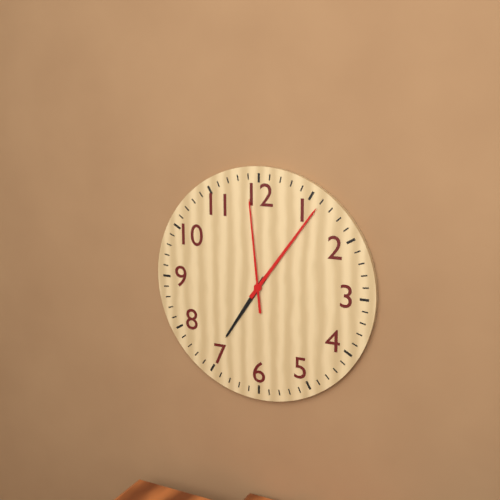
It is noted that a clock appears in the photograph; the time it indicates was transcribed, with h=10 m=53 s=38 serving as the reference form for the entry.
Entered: h=7 m=6 s=59
